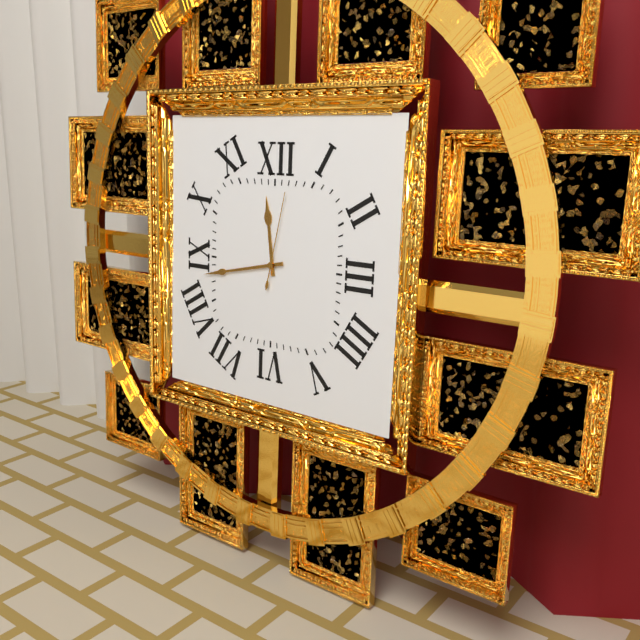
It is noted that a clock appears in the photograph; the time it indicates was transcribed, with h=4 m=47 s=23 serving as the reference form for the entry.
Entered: h=11 m=43 s=2
